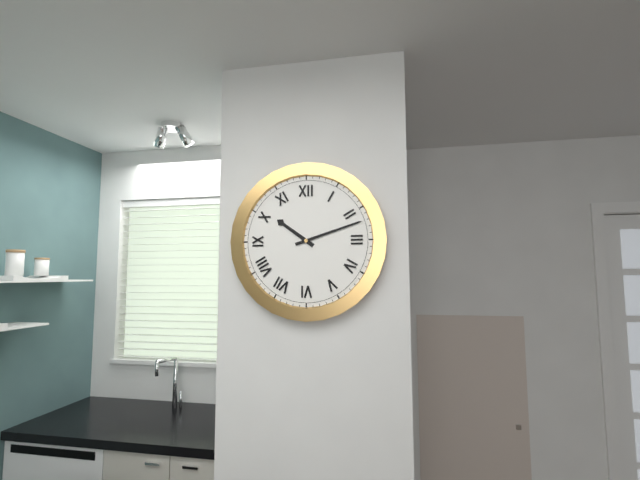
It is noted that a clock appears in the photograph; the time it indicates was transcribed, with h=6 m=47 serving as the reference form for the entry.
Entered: h=10 m=12
